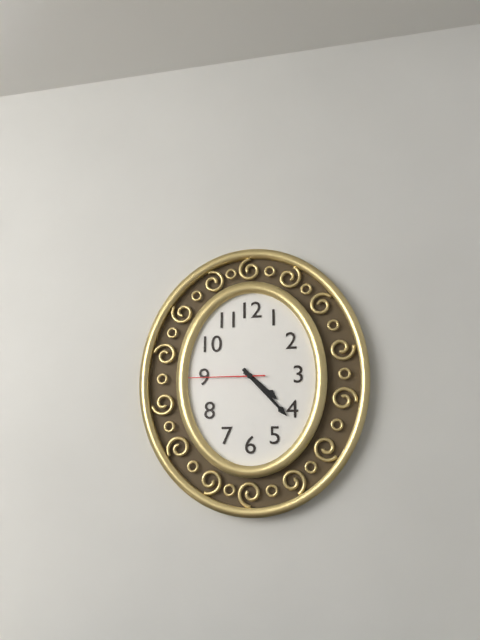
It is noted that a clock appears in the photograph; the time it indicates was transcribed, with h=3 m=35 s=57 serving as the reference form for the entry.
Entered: h=4 m=23 s=45
